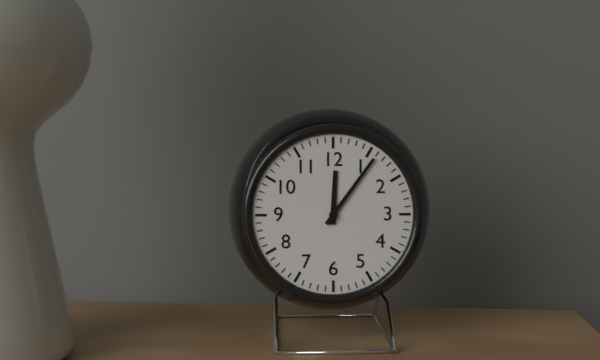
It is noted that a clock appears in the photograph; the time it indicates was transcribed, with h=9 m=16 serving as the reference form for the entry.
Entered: h=12 m=6
